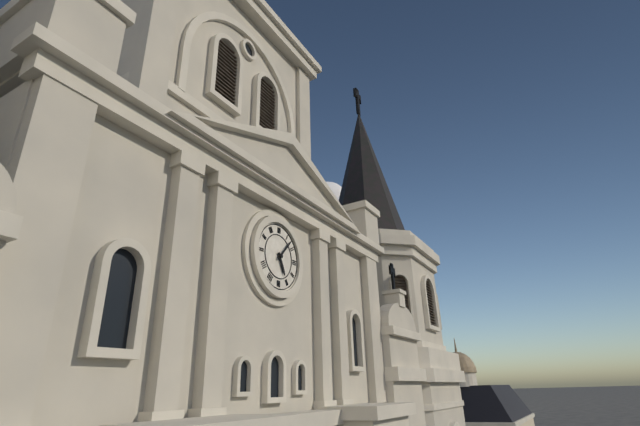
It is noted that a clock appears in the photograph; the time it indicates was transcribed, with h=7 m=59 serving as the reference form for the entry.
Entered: h=5 m=7
